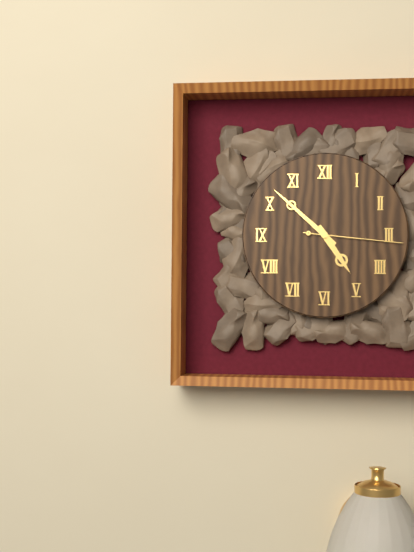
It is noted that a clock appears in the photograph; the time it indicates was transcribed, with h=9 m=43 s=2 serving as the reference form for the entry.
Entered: h=4 m=52 s=16
